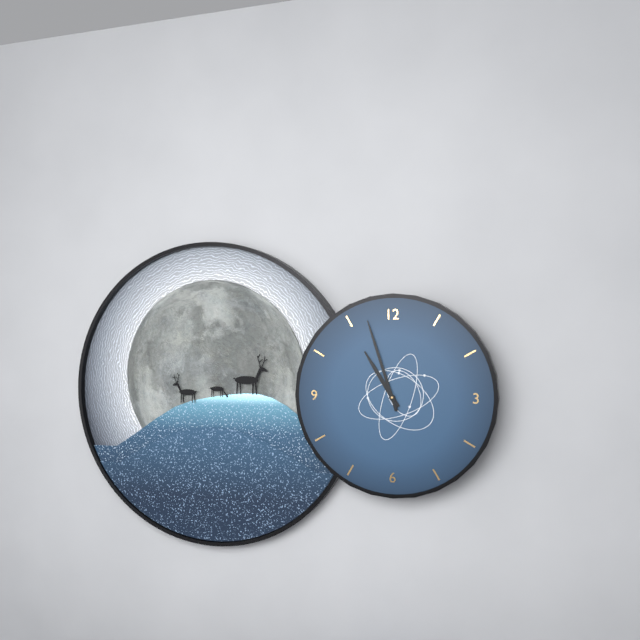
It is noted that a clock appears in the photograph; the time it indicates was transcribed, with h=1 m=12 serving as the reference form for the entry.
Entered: h=10 m=57
